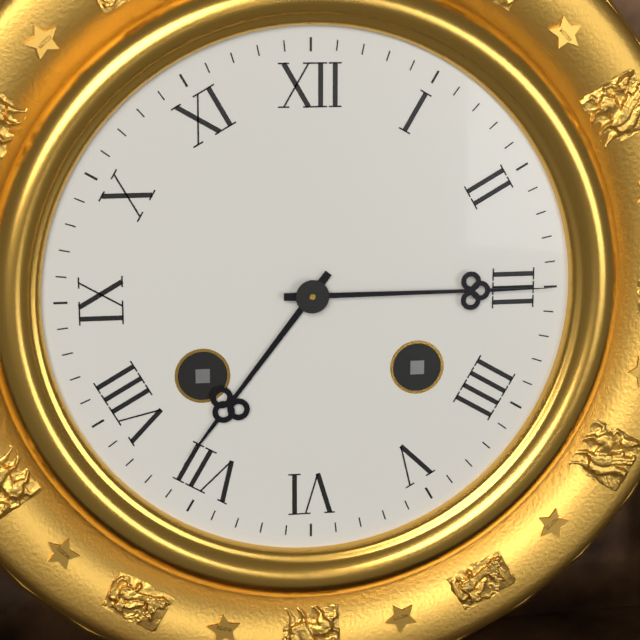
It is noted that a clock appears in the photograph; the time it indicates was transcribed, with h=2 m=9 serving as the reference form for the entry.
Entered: h=7 m=15
